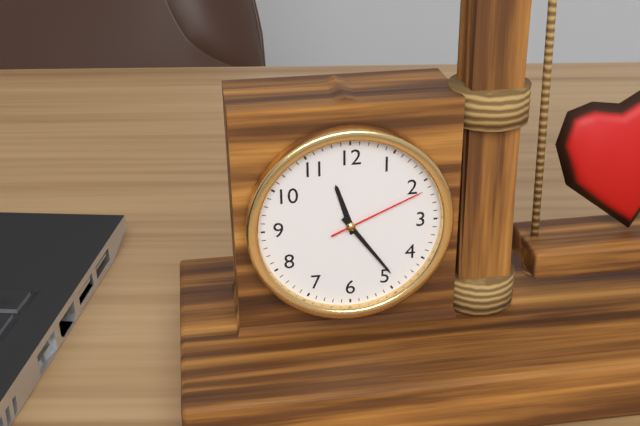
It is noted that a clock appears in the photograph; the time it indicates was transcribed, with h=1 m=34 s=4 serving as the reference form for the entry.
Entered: h=11 m=24 s=11
